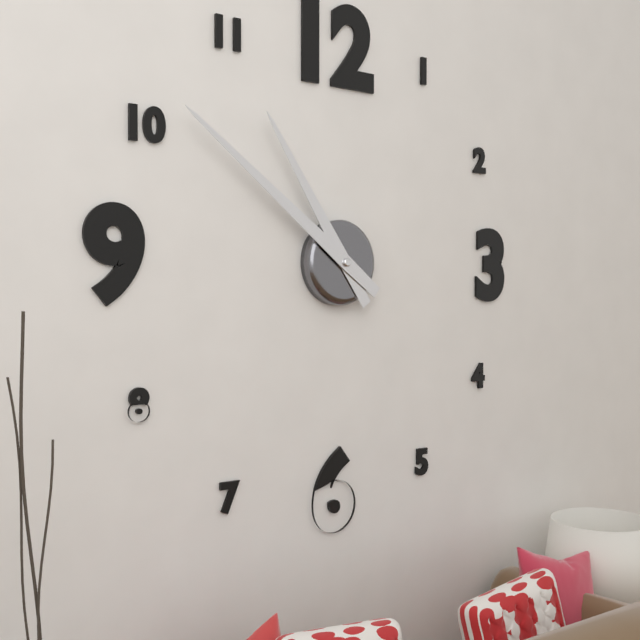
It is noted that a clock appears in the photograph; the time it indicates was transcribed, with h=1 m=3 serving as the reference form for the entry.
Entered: h=10 m=51
